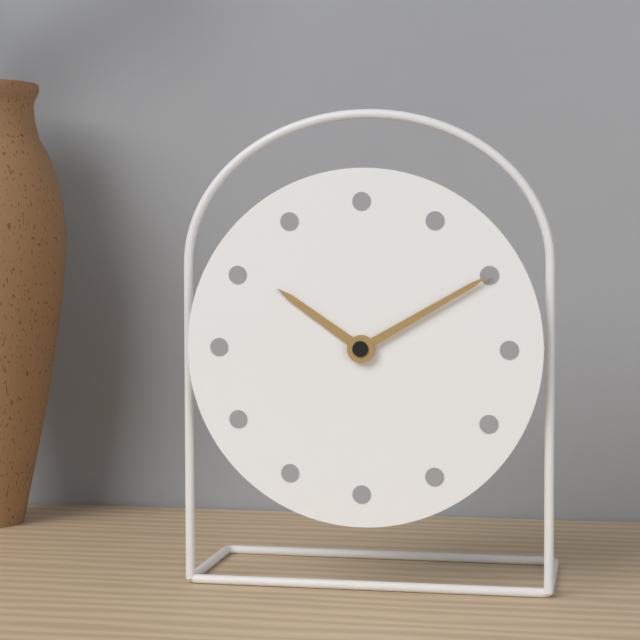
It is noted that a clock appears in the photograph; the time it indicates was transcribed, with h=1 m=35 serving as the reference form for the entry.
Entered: h=10 m=10
